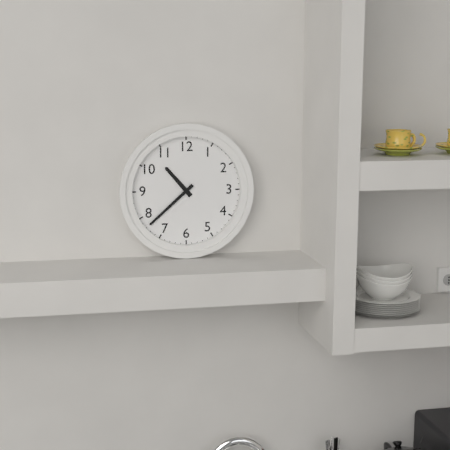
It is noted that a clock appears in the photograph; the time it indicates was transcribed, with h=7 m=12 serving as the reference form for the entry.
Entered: h=10 m=38
